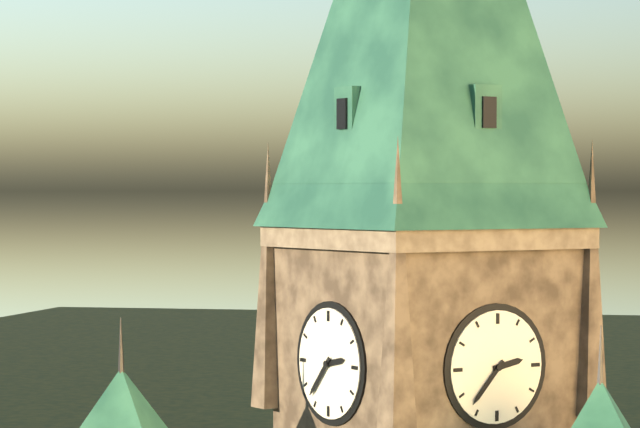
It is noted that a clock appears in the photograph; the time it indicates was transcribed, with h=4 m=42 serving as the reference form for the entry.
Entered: h=2 m=37
